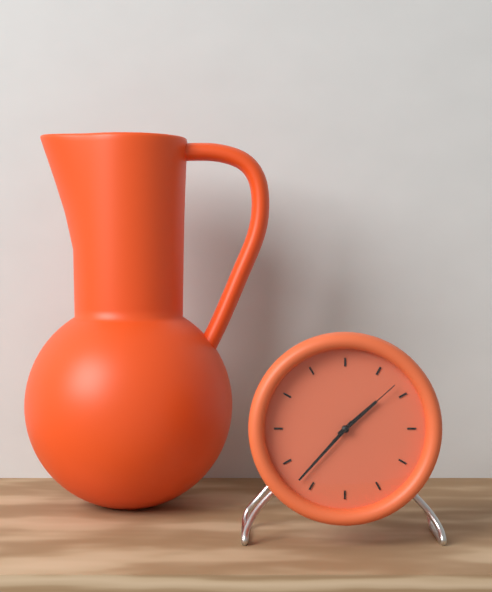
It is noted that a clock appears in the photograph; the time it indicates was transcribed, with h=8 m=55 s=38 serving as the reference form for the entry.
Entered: h=1 m=37 s=8
